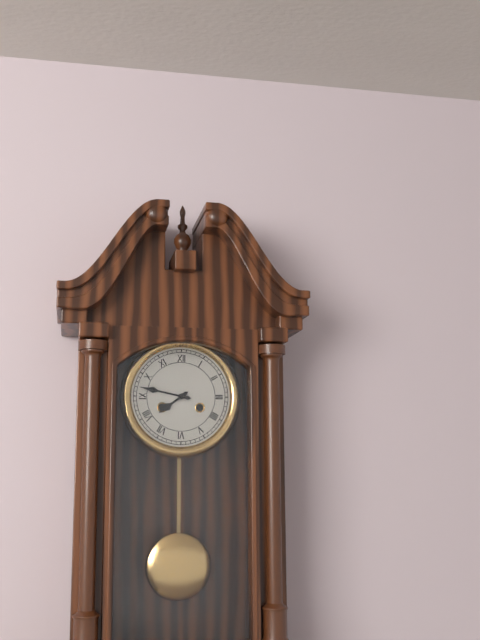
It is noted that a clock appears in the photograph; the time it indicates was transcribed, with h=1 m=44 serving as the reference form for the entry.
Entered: h=7 m=47
